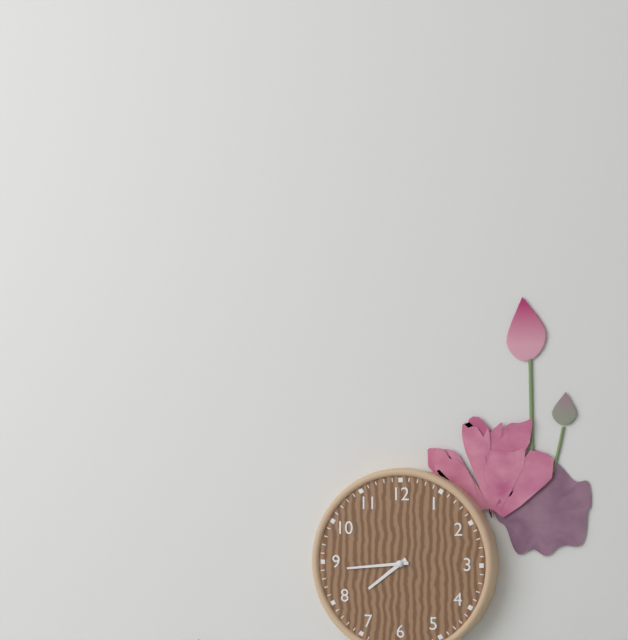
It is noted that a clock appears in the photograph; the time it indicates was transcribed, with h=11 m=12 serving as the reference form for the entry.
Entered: h=7 m=44
